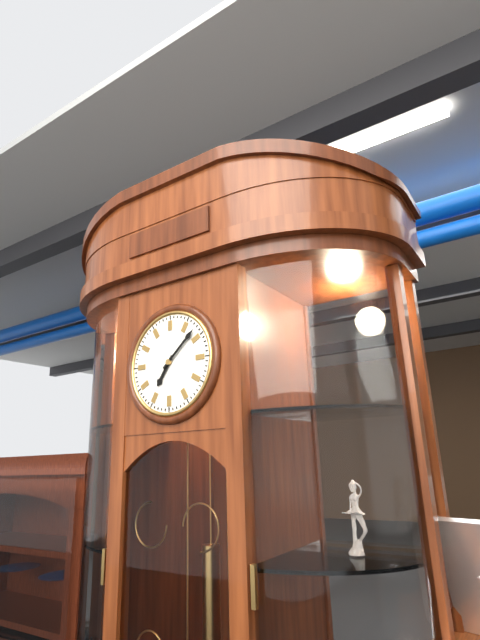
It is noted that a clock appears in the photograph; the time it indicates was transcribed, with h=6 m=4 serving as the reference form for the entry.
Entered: h=7 m=8
